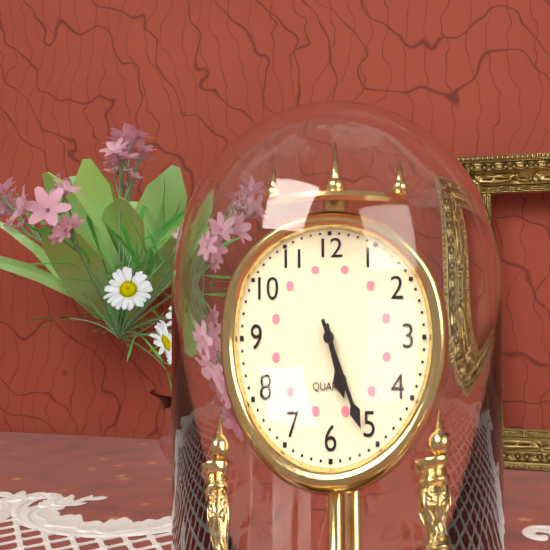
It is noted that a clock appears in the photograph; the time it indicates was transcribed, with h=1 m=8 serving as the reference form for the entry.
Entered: h=5 m=26
